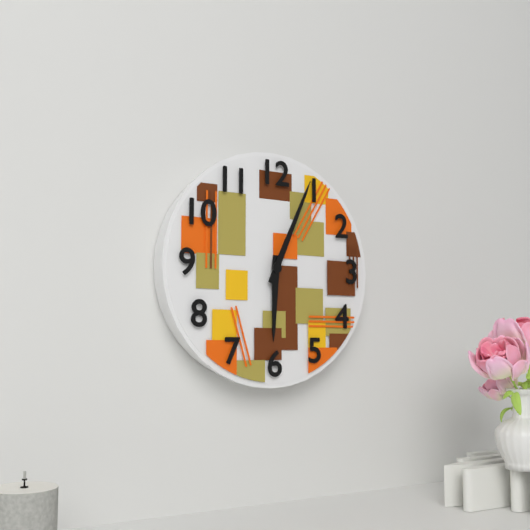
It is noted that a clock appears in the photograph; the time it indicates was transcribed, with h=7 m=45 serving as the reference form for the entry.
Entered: h=6 m=4
